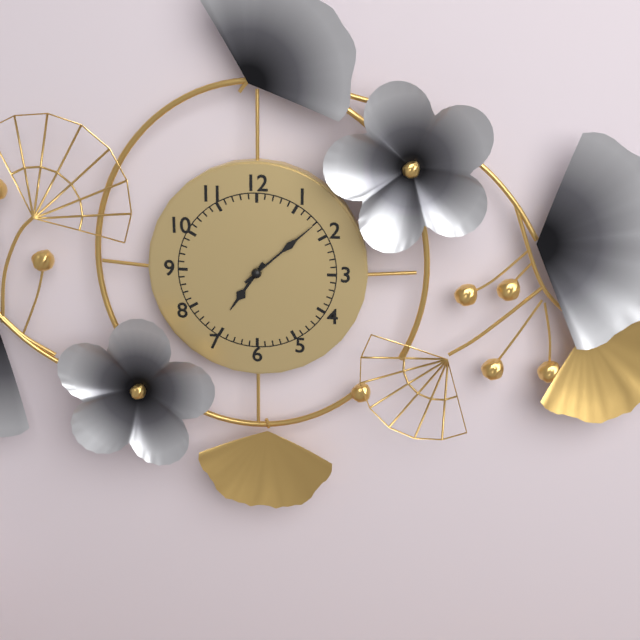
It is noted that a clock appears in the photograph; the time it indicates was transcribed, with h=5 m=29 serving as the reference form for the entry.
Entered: h=7 m=8
